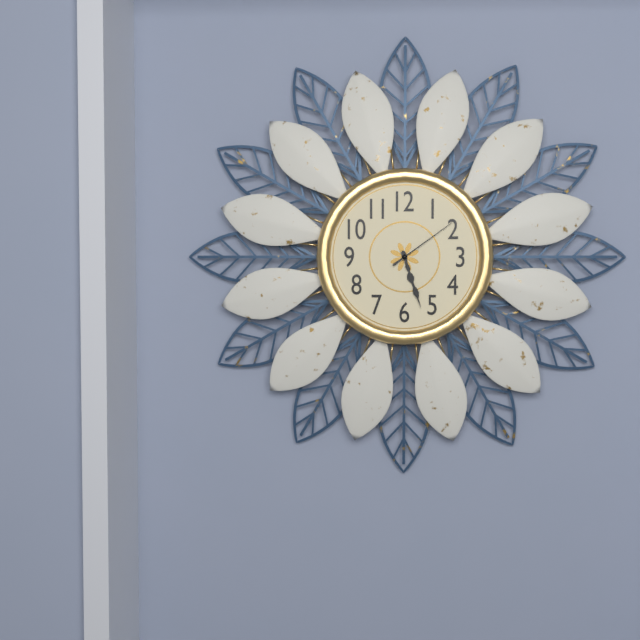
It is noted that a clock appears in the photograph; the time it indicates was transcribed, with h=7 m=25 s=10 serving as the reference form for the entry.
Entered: h=5 m=27 s=9
